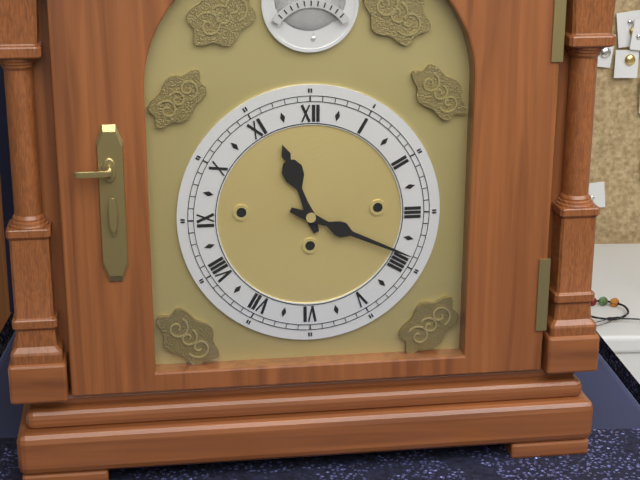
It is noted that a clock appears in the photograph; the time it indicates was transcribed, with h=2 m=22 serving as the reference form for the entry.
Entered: h=11 m=19
